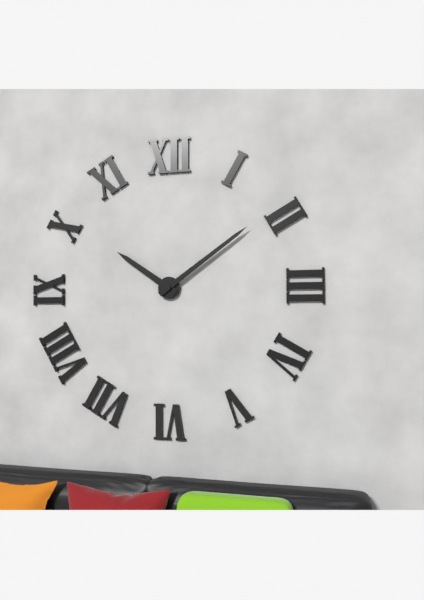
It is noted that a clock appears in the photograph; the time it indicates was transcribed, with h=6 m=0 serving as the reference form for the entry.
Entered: h=10 m=9
